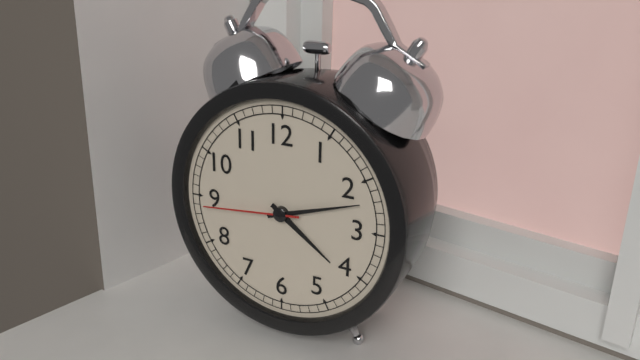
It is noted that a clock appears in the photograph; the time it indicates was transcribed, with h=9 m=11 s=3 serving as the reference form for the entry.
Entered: h=4 m=12 s=44
